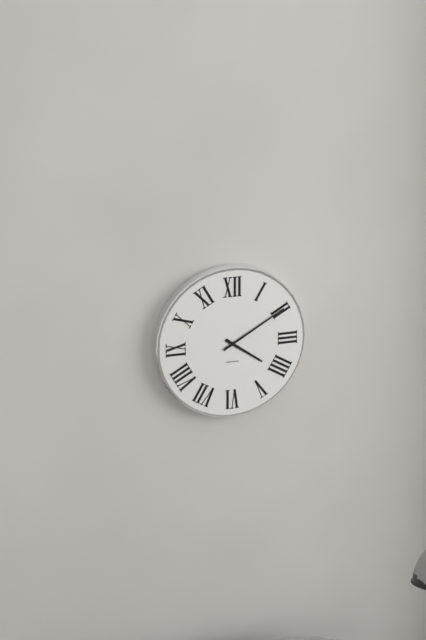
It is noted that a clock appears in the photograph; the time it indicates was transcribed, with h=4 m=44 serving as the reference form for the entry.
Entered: h=4 m=10
